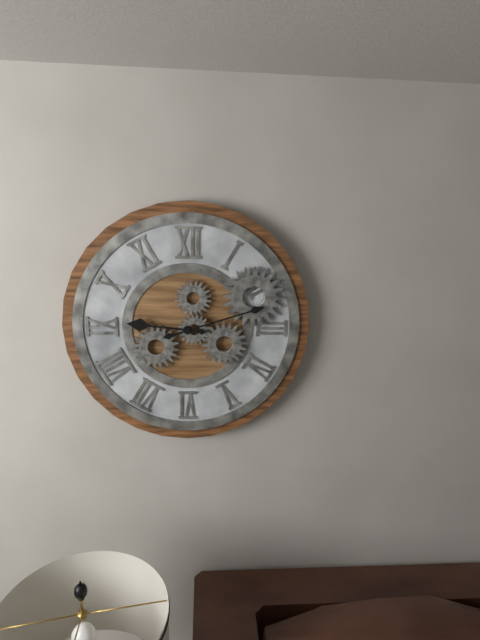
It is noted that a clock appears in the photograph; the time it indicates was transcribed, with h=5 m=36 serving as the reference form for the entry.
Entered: h=9 m=12
